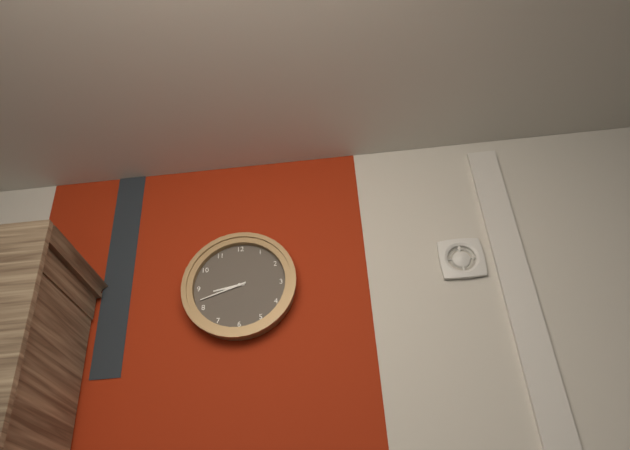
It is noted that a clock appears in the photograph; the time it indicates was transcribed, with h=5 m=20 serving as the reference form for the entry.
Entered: h=8 m=42
